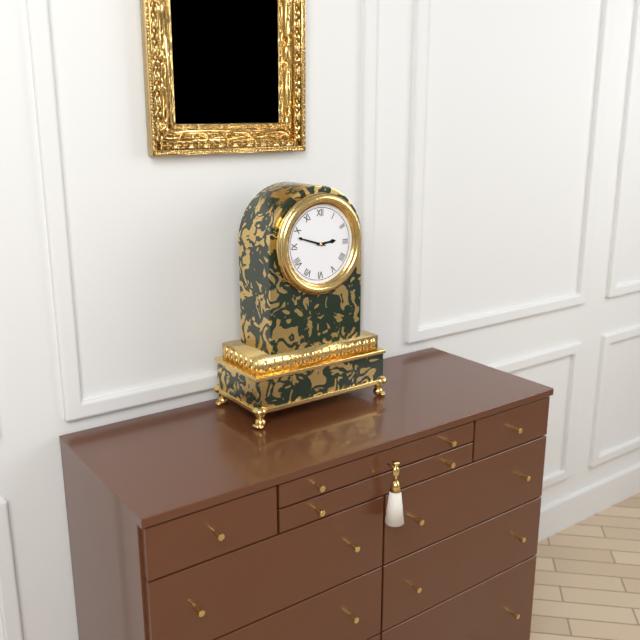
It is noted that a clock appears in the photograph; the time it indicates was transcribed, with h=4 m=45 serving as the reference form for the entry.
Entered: h=2 m=48
